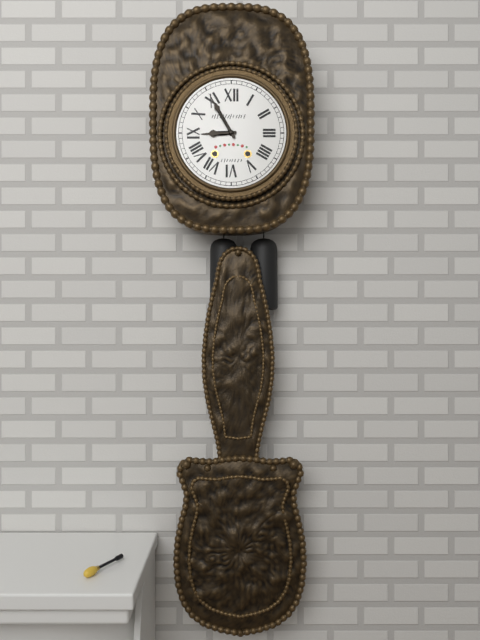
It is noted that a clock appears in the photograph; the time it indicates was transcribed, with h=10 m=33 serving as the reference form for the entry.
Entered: h=8 m=55
